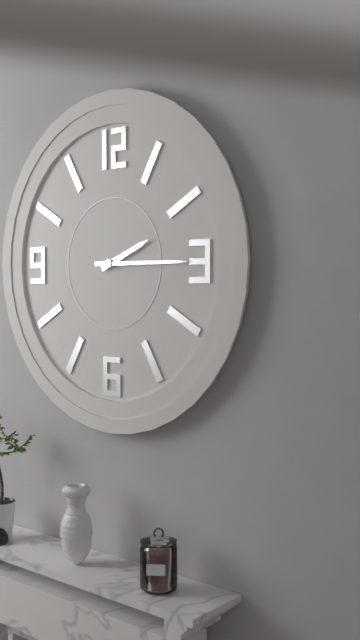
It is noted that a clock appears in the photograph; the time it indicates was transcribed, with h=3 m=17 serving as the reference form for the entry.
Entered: h=2 m=15
